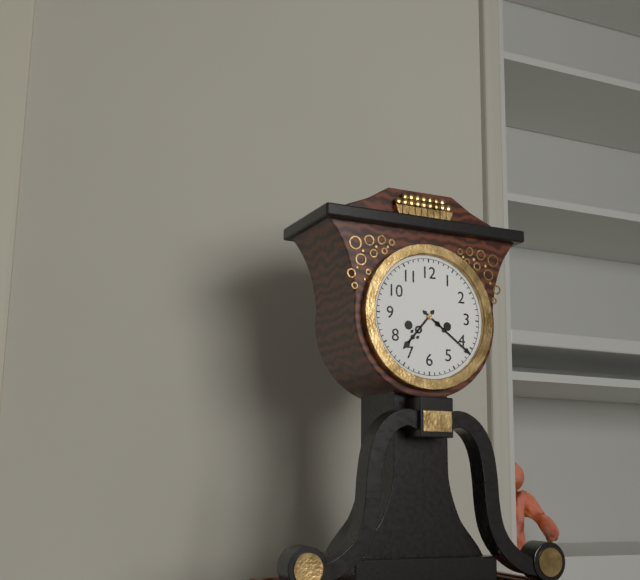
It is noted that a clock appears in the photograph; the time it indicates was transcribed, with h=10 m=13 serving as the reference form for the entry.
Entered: h=7 m=21
